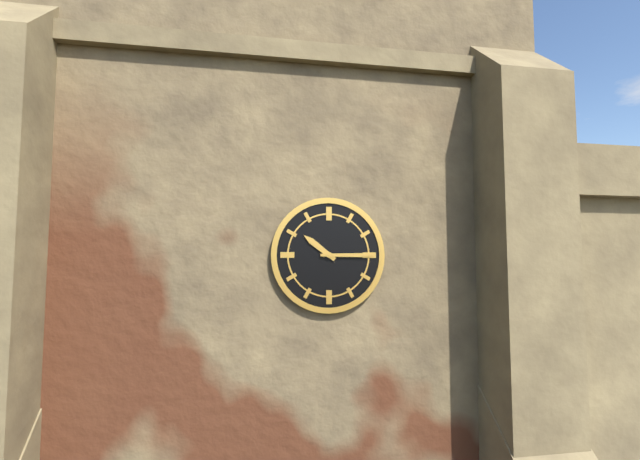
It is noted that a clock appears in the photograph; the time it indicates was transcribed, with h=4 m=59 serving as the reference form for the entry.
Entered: h=10 m=15
